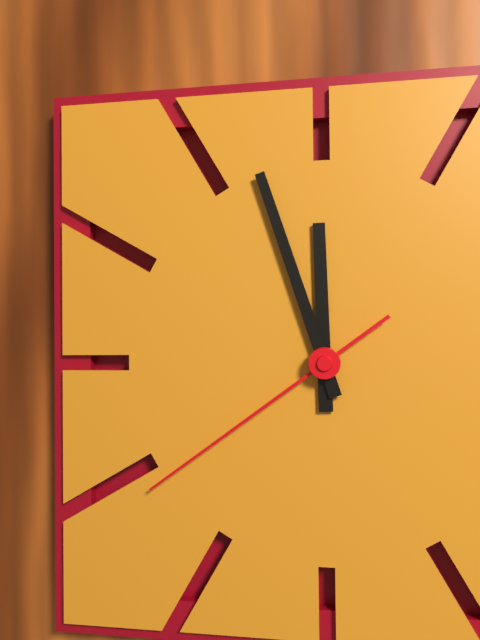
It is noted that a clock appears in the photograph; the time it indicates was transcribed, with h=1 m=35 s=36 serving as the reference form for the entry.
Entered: h=11 m=57 s=39
